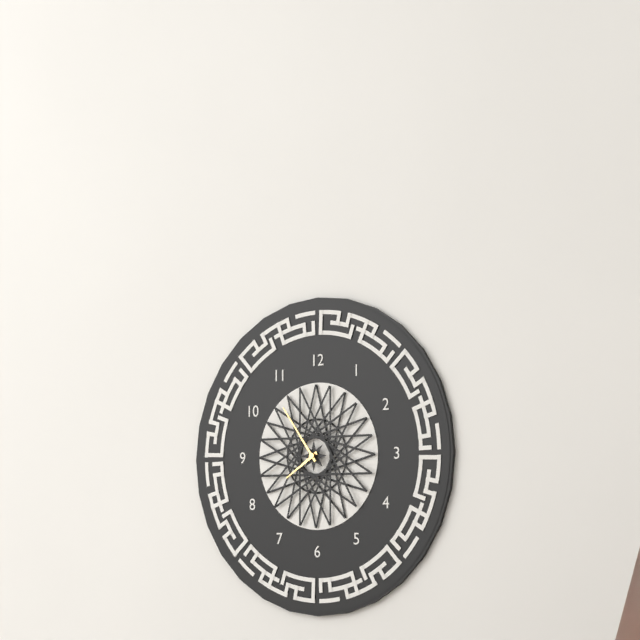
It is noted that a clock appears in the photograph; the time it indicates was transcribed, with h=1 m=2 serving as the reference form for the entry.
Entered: h=7 m=54
